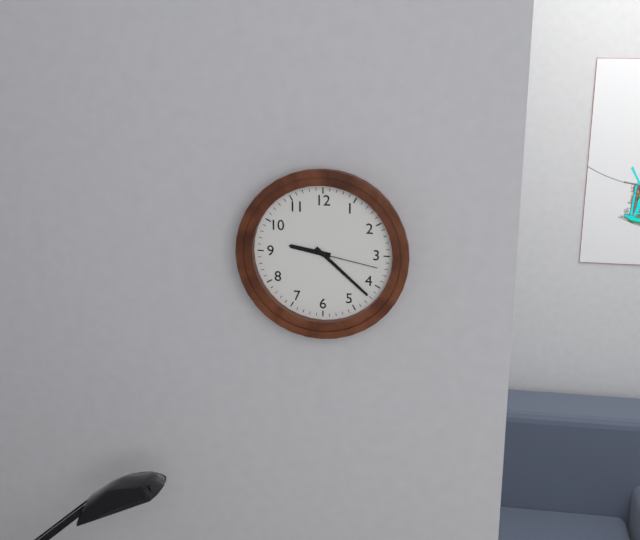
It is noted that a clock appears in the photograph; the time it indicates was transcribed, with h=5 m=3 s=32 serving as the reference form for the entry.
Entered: h=9 m=22 s=17
